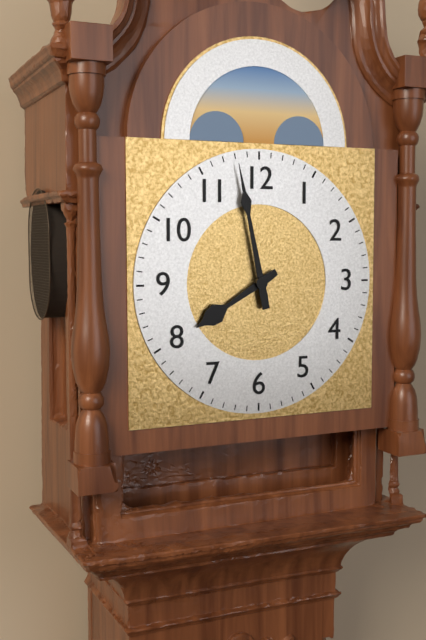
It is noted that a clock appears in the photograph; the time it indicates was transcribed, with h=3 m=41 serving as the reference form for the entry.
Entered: h=7 m=58
